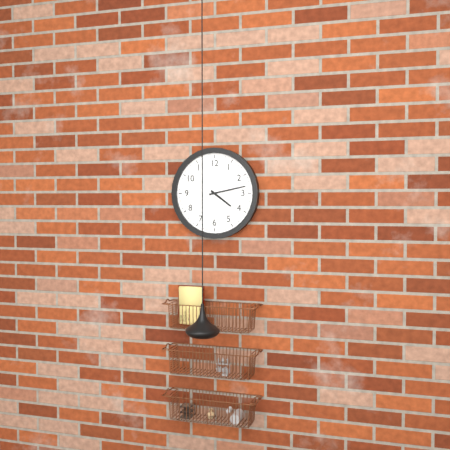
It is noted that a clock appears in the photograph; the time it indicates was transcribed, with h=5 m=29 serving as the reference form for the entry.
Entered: h=4 m=13
